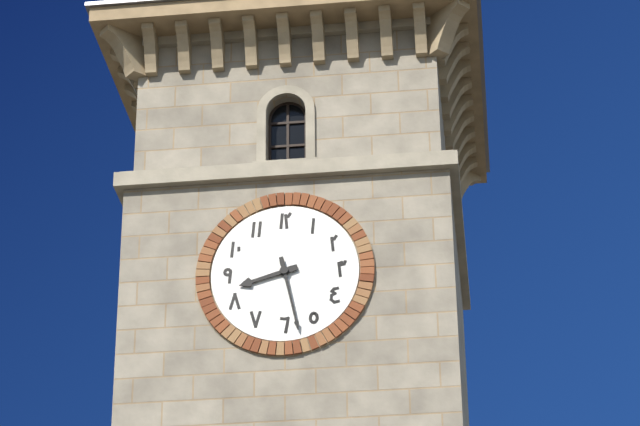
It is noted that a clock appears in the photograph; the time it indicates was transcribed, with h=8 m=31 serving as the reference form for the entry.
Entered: h=8 m=28
